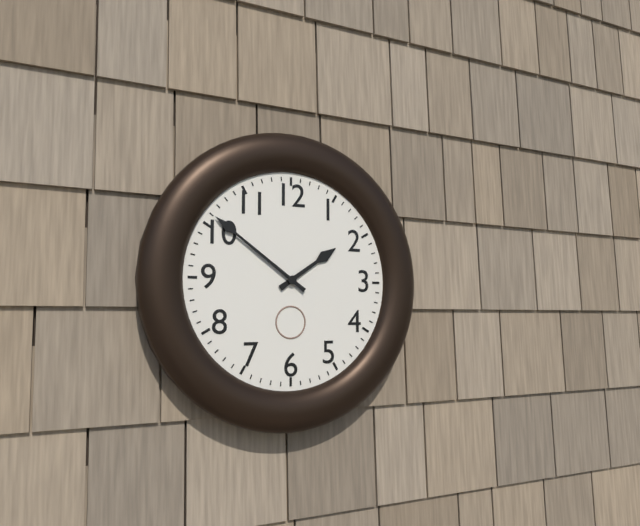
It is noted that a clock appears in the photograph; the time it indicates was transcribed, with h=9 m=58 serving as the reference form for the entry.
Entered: h=1 m=51
